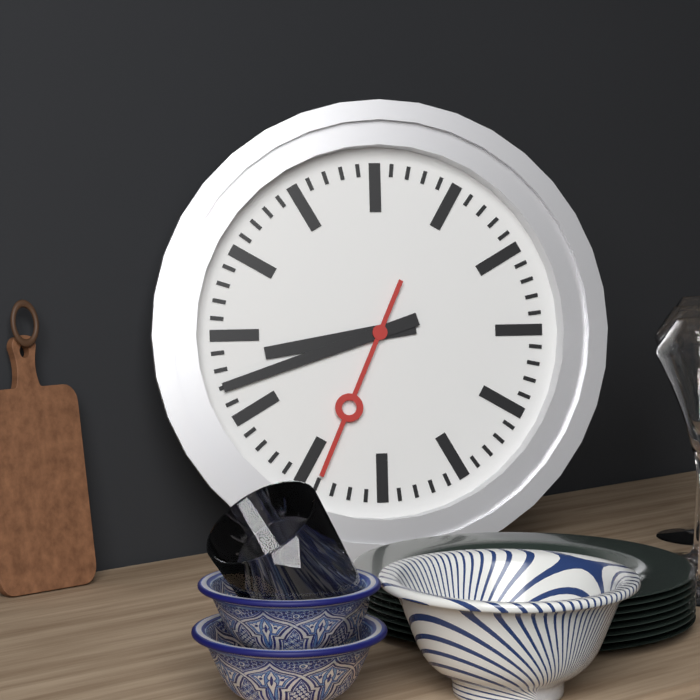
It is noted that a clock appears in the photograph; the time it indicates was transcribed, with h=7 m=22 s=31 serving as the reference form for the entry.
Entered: h=8 m=42 s=34
